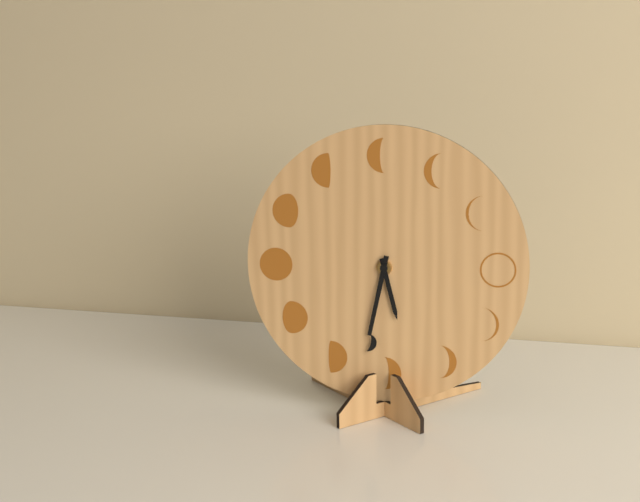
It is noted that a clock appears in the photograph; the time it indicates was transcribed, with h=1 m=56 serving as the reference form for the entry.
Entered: h=5 m=32
